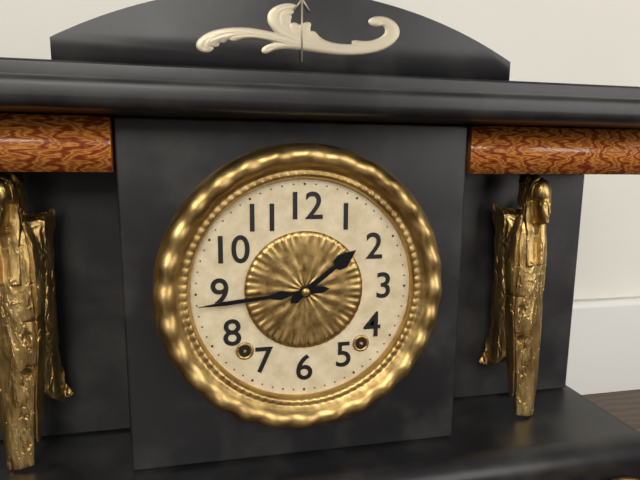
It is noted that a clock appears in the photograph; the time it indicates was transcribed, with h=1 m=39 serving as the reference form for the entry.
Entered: h=1 m=44
